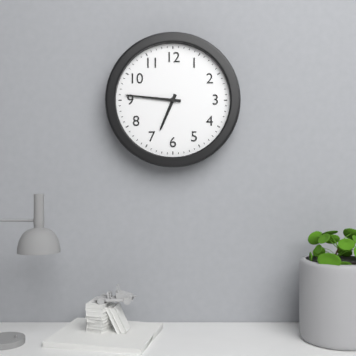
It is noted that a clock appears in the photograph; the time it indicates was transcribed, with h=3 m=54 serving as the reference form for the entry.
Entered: h=6 m=46
